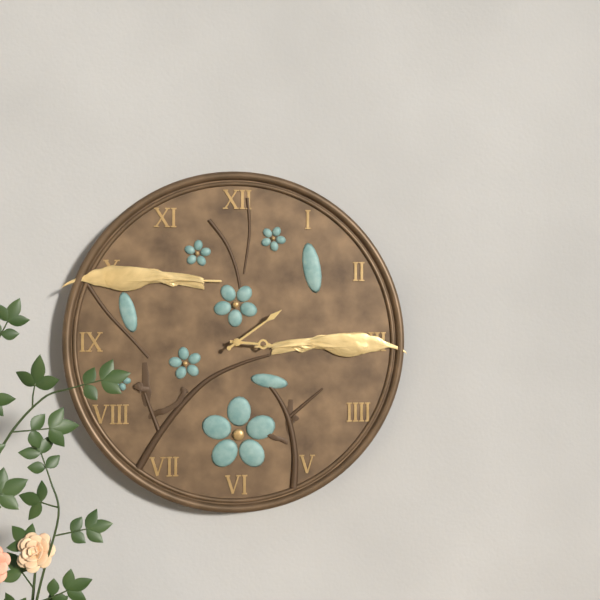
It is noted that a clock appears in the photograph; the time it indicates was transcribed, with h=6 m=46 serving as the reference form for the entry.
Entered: h=3 m=9
